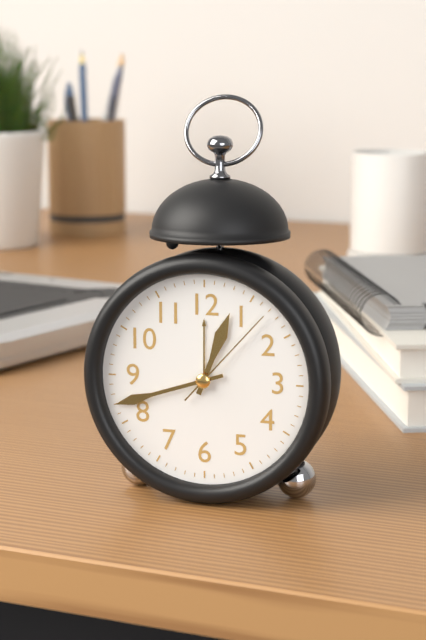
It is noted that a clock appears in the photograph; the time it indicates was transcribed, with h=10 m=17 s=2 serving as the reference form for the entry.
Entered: h=12 m=42 s=7
